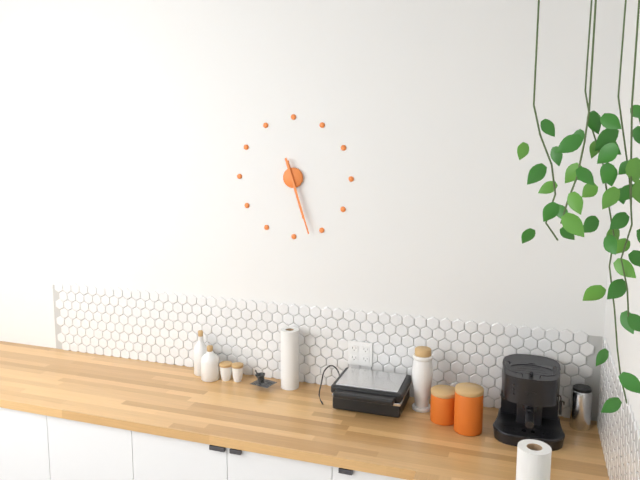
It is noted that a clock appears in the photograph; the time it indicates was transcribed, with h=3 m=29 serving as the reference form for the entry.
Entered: h=5 m=27
